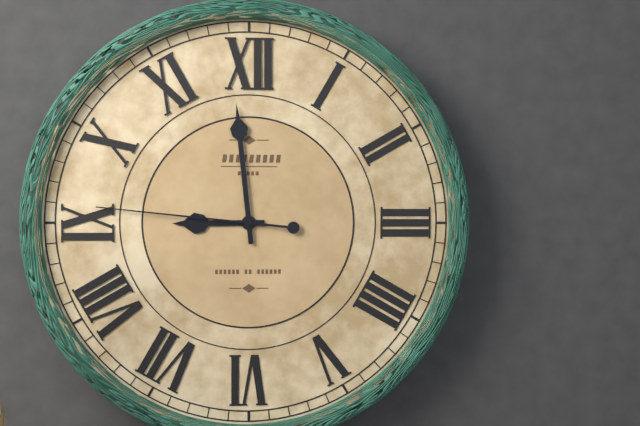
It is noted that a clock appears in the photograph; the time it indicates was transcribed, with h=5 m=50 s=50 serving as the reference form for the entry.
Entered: h=8 m=59 s=46
